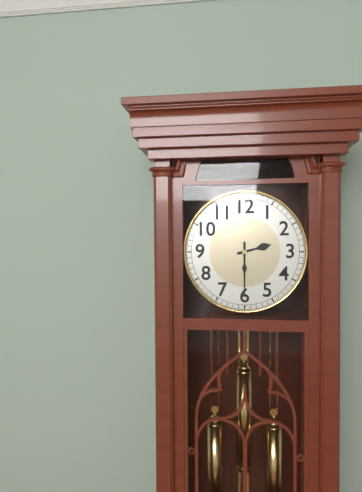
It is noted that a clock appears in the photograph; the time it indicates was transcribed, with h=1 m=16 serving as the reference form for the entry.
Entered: h=2 m=30
